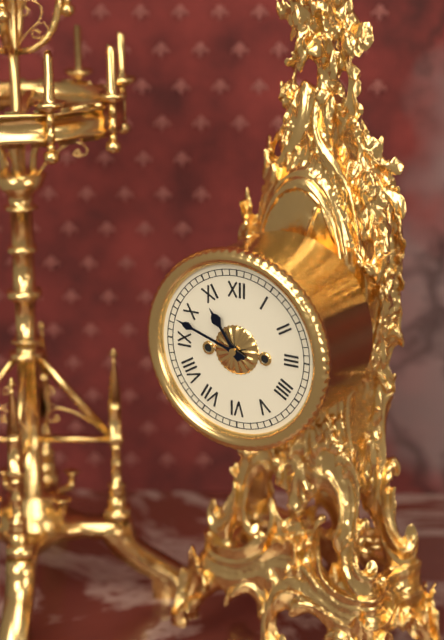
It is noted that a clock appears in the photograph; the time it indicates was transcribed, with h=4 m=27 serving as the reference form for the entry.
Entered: h=10 m=48
